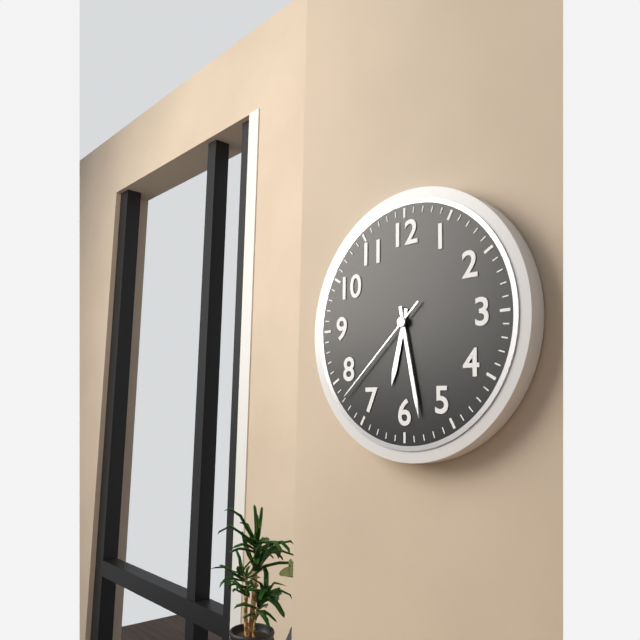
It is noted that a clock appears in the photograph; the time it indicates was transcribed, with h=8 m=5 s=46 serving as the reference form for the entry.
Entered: h=6 m=28 s=38
